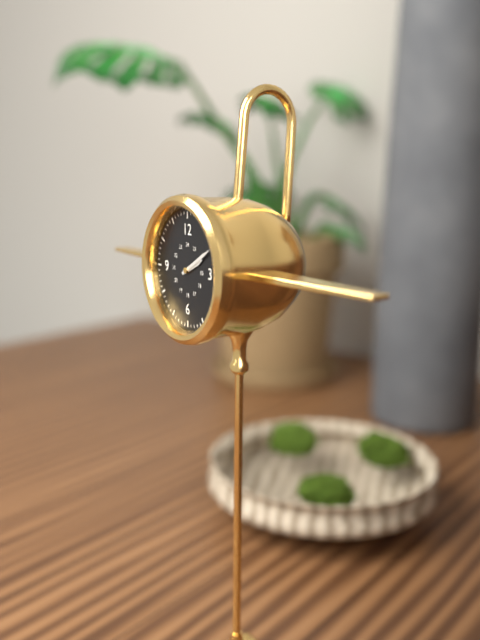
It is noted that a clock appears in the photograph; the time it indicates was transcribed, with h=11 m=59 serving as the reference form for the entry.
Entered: h=2 m=10
